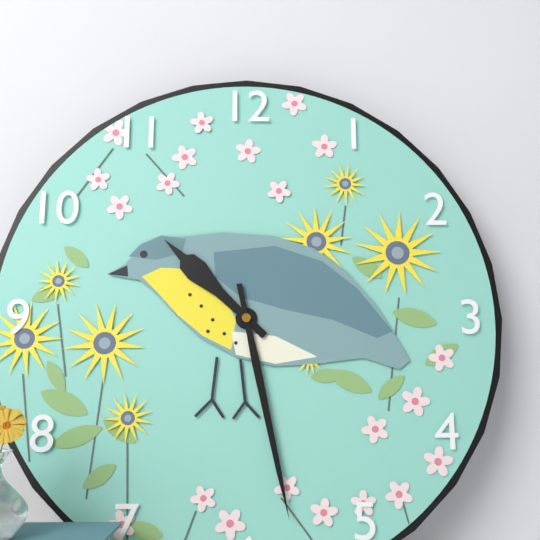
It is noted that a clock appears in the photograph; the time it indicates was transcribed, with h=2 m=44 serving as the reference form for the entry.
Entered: h=10 m=28
